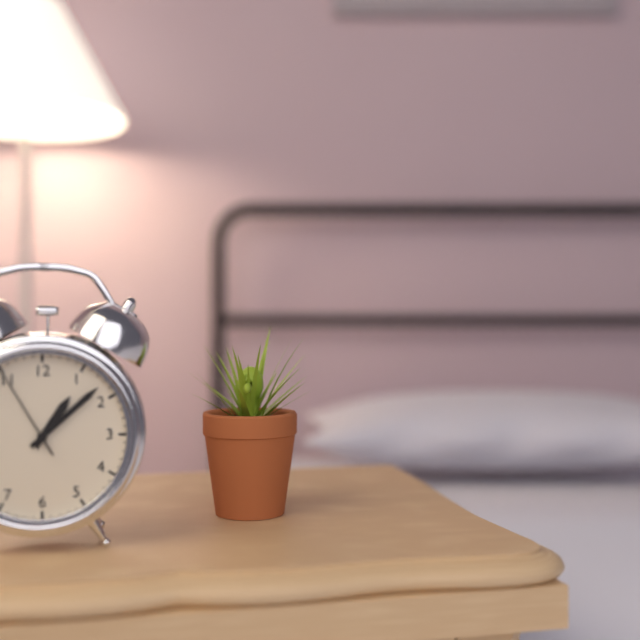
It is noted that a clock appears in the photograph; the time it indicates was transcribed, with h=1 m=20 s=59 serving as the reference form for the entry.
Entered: h=1 m=8 s=55
